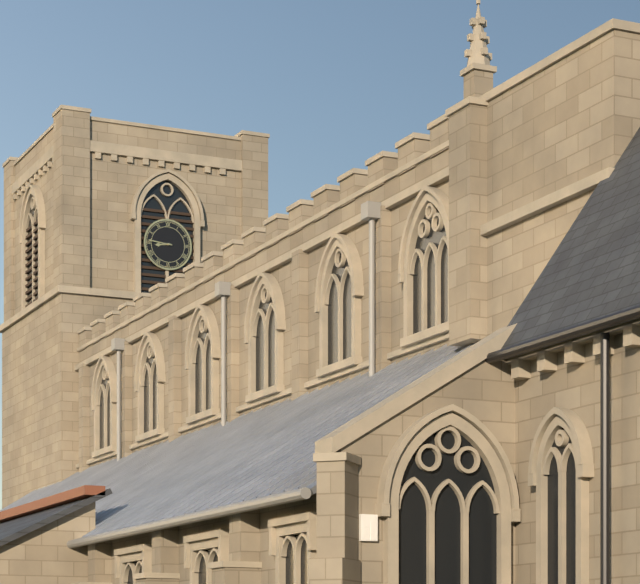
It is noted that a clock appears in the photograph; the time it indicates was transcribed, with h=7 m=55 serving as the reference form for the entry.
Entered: h=8 m=46
